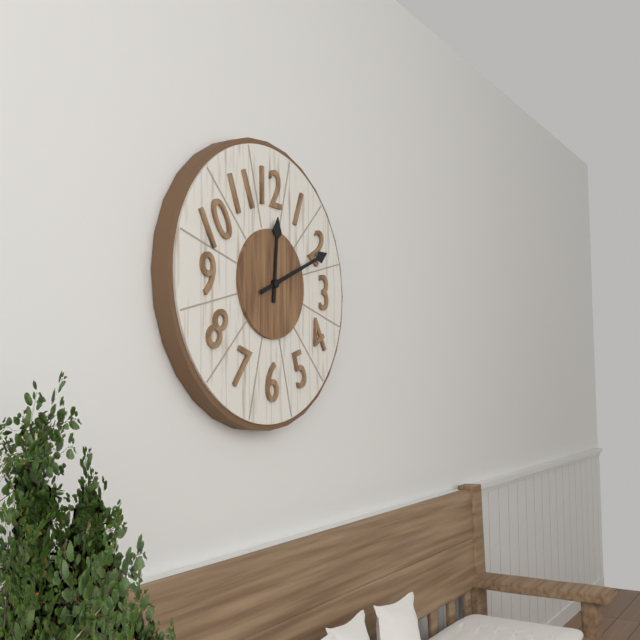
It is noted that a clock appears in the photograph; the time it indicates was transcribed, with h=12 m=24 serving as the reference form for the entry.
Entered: h=12 m=11
